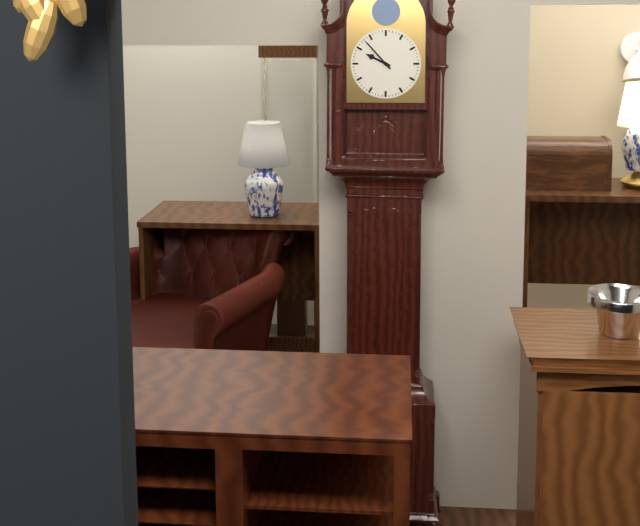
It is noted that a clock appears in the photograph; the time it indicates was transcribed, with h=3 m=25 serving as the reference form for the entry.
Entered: h=9 m=53
